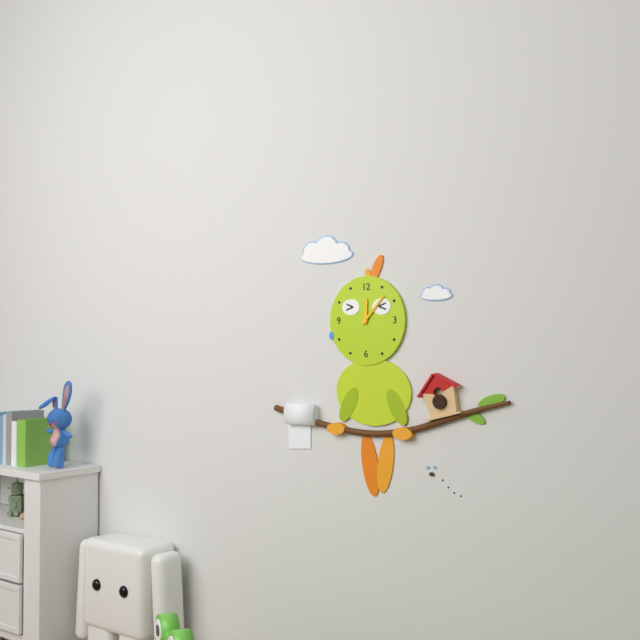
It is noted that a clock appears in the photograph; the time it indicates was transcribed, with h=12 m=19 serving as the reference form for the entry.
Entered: h=12 m=7
